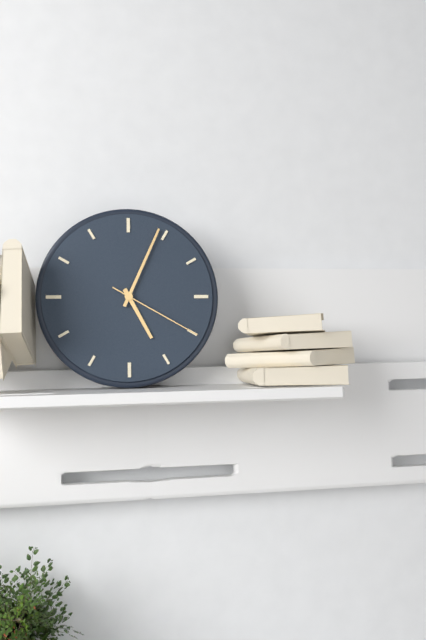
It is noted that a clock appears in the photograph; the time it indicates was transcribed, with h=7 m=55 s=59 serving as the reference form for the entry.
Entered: h=5 m=4 s=20
